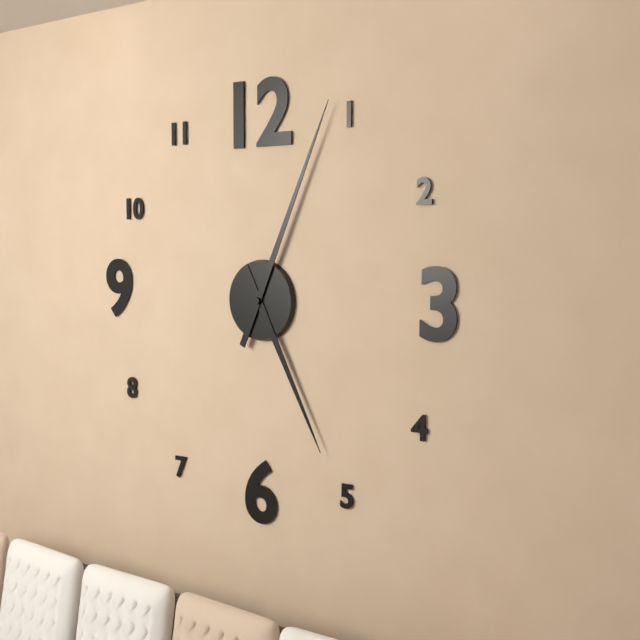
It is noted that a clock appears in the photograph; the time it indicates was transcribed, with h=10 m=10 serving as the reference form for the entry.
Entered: h=5 m=4
